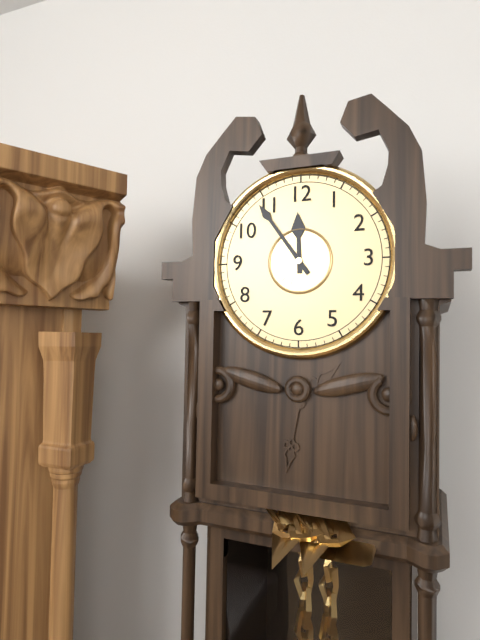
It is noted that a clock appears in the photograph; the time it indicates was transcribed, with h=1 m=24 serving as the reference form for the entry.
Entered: h=11 m=54
